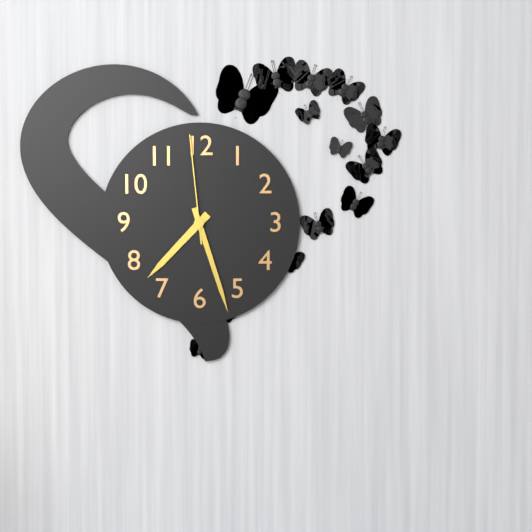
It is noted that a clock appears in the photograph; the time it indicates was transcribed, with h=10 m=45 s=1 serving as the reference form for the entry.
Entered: h=7 m=27 s=59
